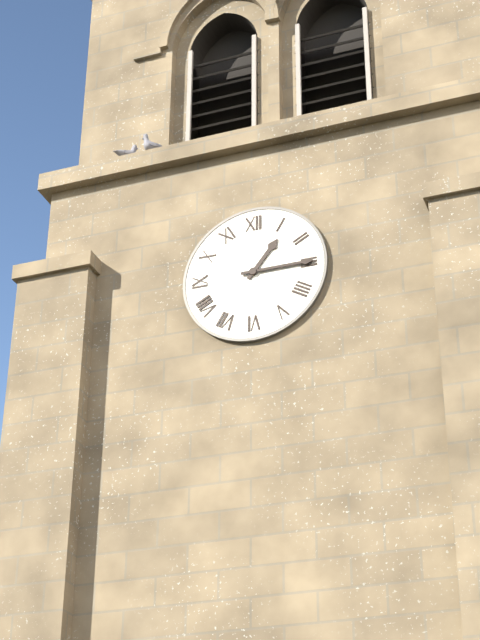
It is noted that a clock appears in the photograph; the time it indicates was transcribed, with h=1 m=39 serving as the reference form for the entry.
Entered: h=1 m=15
